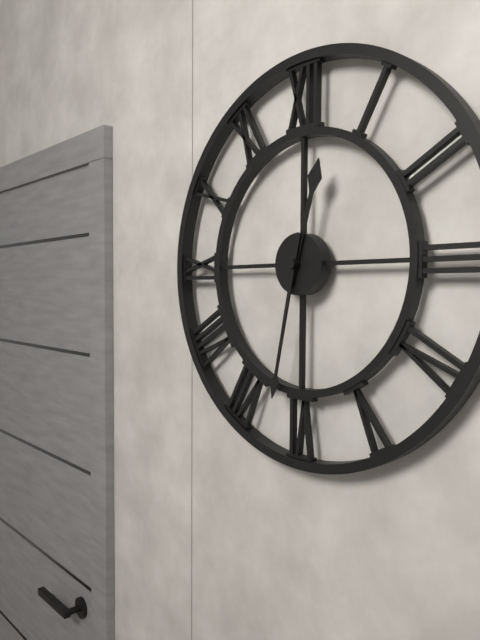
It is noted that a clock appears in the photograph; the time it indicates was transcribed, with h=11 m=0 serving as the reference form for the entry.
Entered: h=12 m=32
